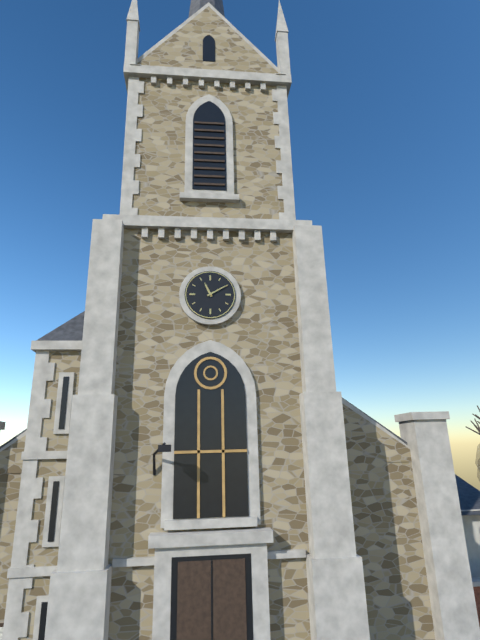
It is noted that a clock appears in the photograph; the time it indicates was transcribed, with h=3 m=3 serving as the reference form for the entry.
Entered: h=11 m=10
